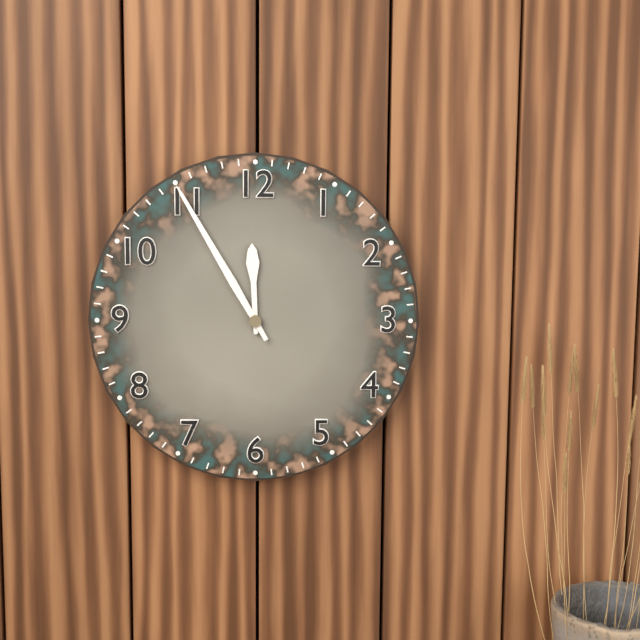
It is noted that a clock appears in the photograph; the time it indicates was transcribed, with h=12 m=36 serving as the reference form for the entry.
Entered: h=11 m=55
